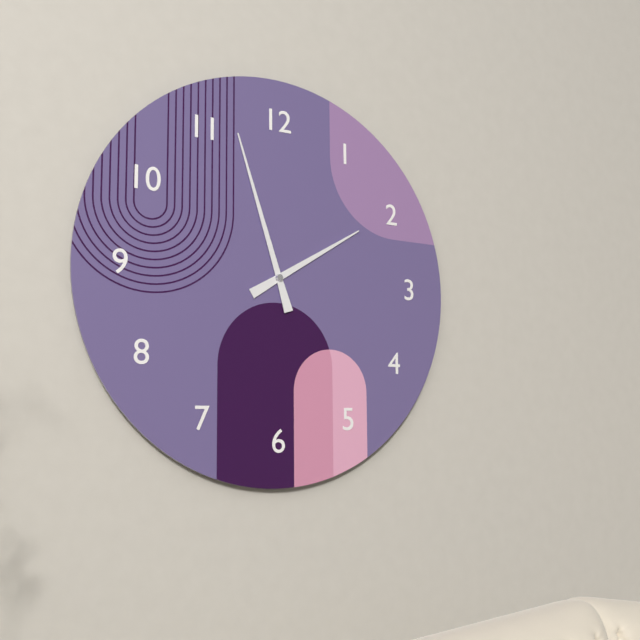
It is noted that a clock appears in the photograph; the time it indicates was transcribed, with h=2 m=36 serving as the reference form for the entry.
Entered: h=1 m=57
